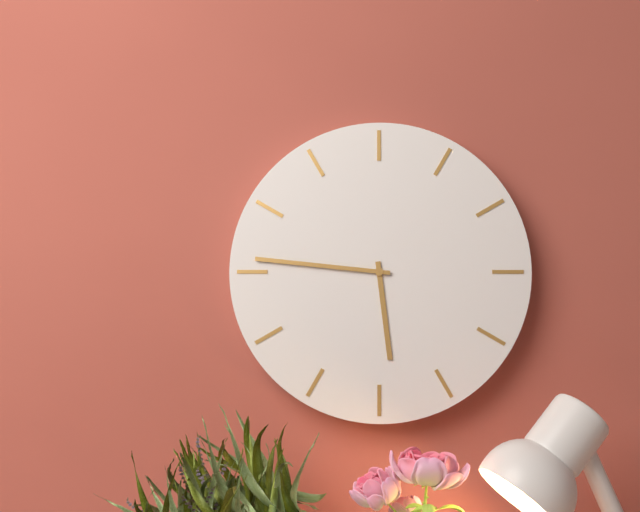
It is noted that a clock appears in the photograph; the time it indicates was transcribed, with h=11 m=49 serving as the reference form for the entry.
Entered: h=5 m=46
